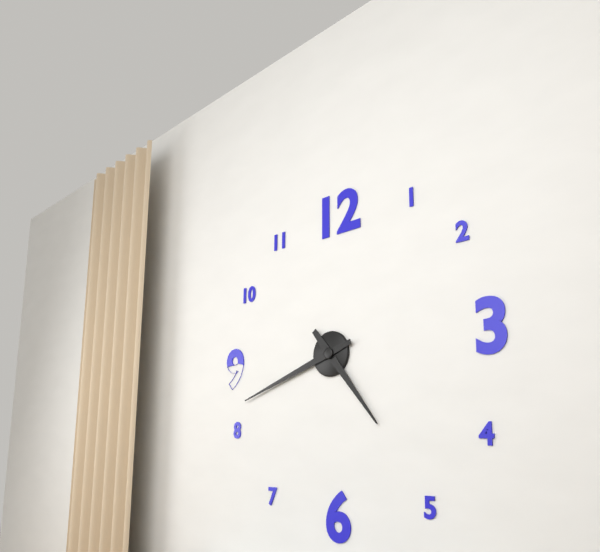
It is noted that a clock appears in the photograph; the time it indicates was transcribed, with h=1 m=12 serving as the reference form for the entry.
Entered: h=4 m=42
